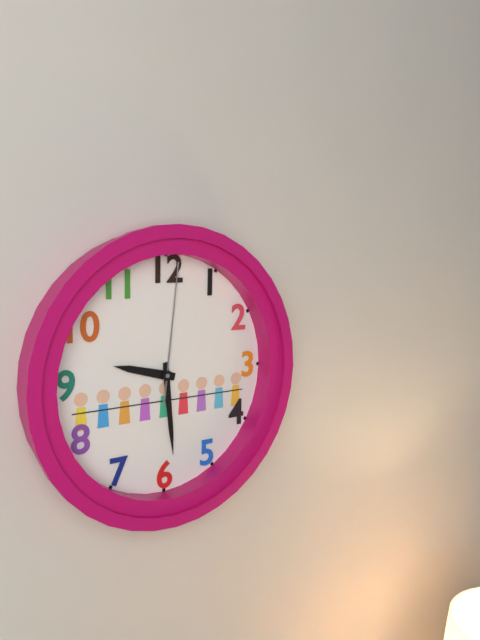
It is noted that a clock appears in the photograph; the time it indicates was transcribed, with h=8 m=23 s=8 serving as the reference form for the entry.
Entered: h=9 m=29 s=1
